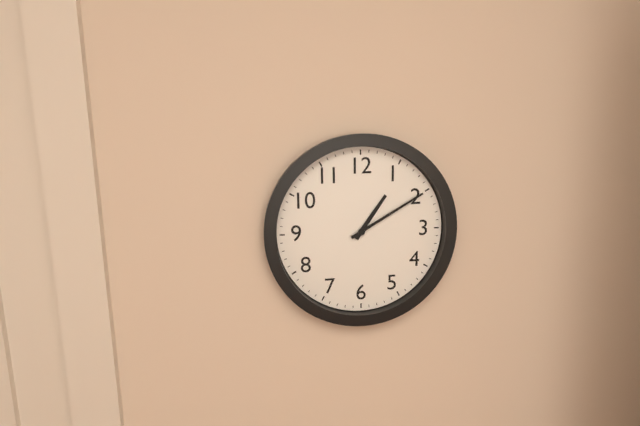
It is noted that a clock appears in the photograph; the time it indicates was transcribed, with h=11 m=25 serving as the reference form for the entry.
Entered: h=1 m=10
